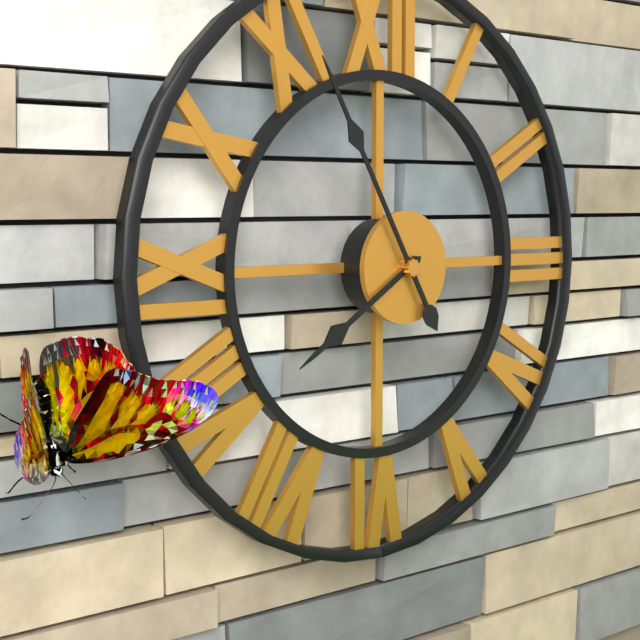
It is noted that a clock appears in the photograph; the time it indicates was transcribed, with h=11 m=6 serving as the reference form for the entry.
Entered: h=7 m=55
